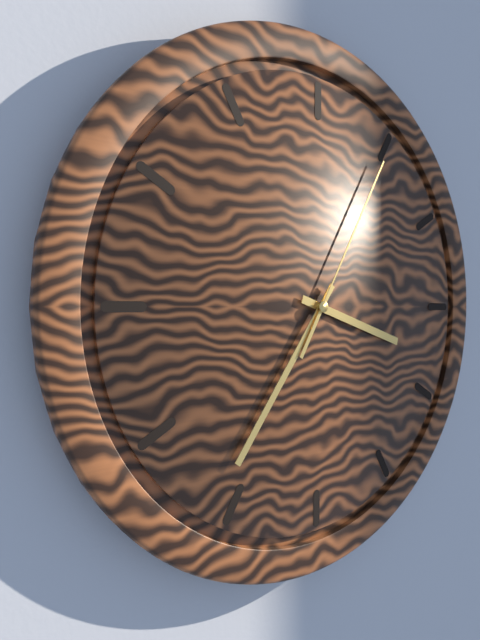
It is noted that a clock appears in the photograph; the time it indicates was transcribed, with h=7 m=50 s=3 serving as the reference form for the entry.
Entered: h=3 m=36 s=5
